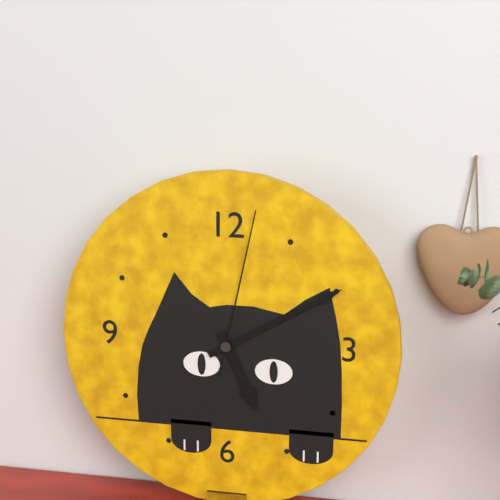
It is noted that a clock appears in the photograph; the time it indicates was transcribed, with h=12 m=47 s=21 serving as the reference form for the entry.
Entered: h=5 m=10 s=2
